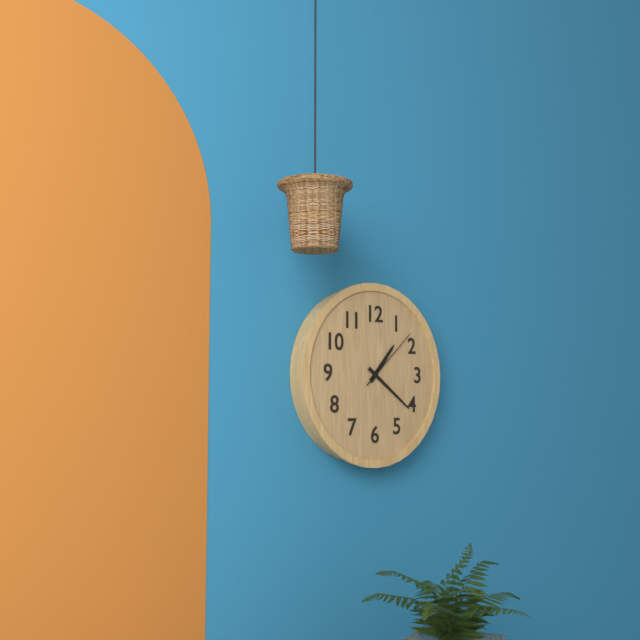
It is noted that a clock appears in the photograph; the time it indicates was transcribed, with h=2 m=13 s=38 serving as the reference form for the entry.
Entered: h=1 m=21 s=8
